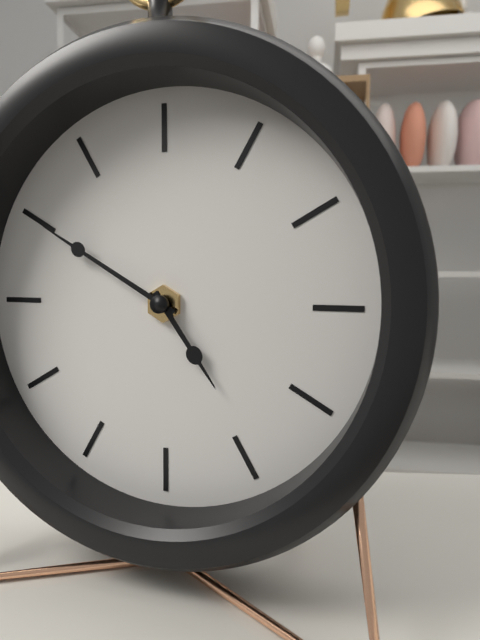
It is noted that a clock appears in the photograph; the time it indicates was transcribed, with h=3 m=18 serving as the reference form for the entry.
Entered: h=4 m=50
